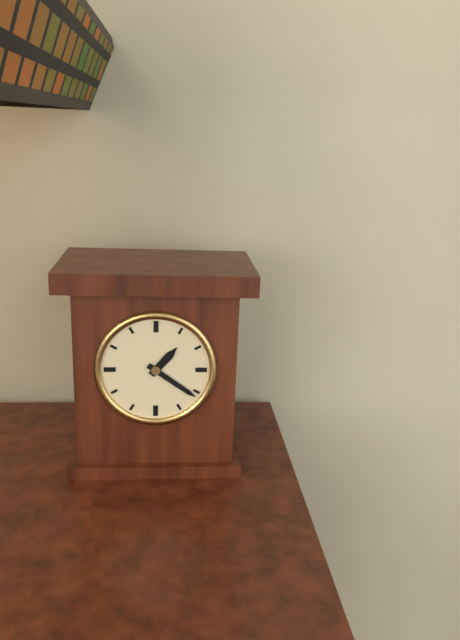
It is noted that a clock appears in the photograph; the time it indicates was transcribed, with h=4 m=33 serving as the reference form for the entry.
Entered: h=1 m=21
